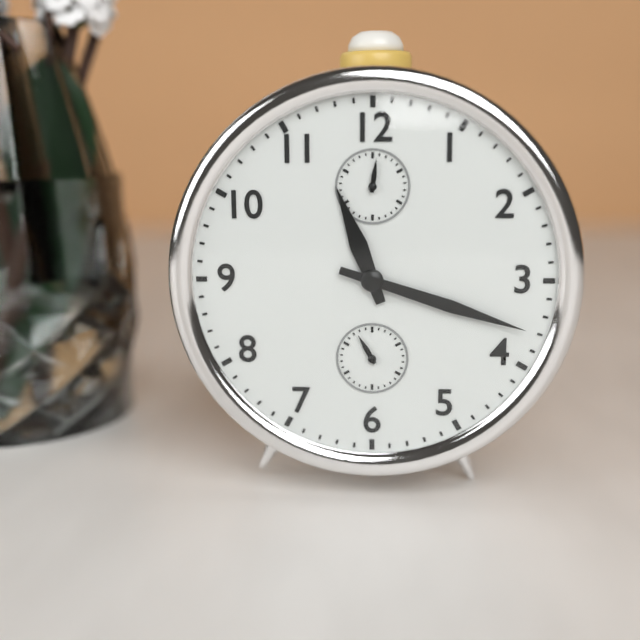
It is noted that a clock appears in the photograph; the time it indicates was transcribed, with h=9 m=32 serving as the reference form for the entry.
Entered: h=11 m=18
